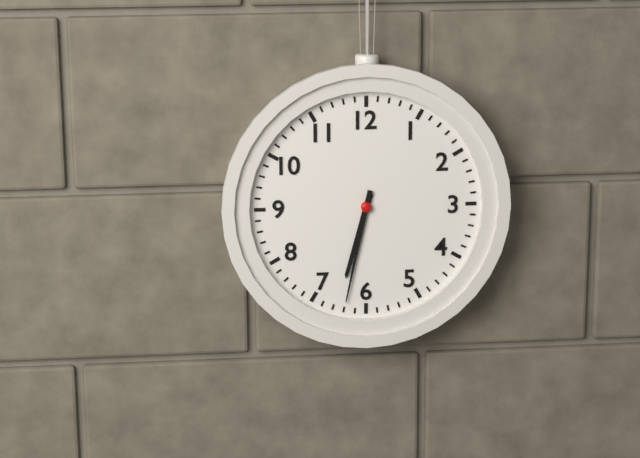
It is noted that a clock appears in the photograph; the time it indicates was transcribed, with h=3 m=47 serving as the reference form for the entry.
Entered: h=6 m=32
